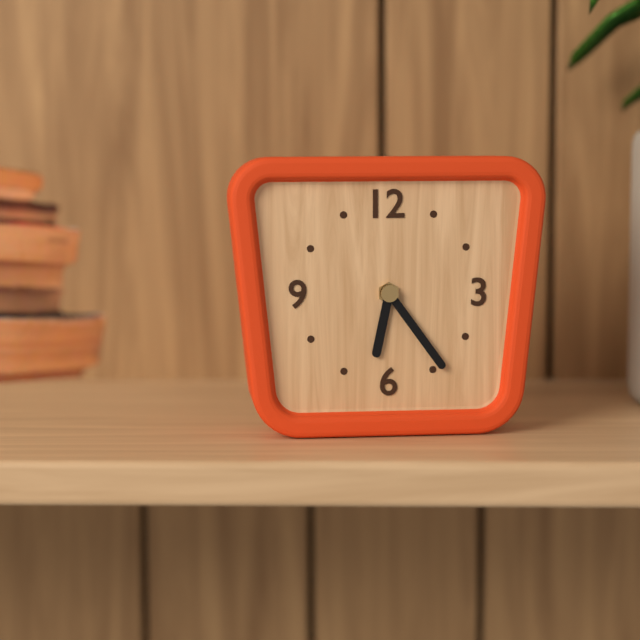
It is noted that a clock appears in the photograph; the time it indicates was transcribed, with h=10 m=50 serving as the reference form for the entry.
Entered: h=6 m=24
